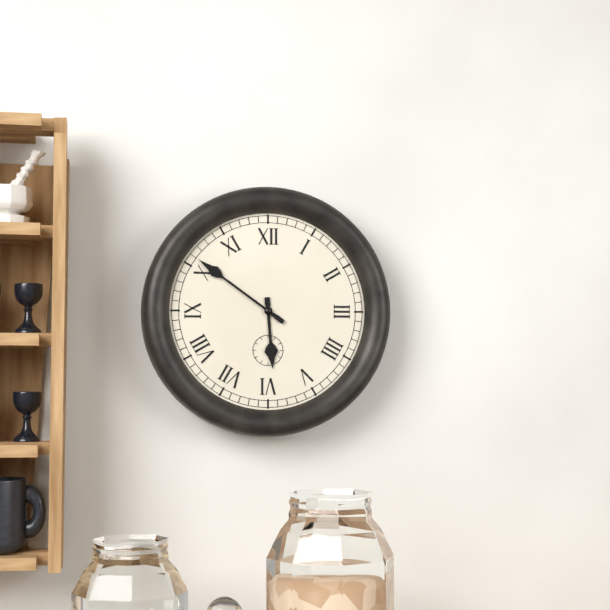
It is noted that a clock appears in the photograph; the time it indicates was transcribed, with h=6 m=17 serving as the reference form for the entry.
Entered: h=5 m=51
